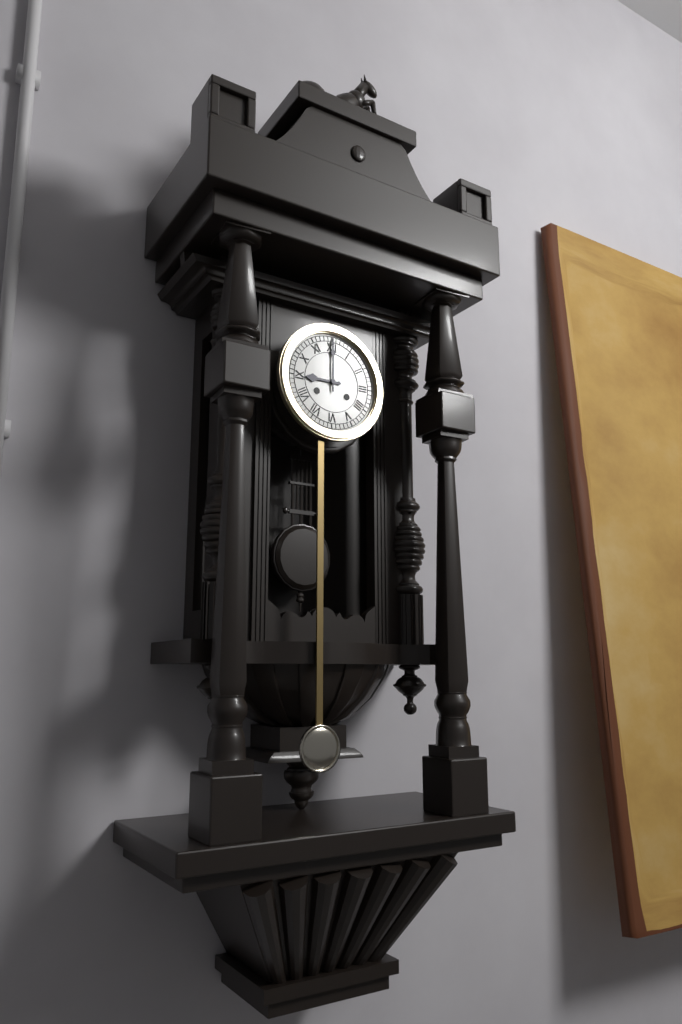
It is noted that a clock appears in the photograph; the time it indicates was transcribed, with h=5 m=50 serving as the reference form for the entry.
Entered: h=9 m=0
